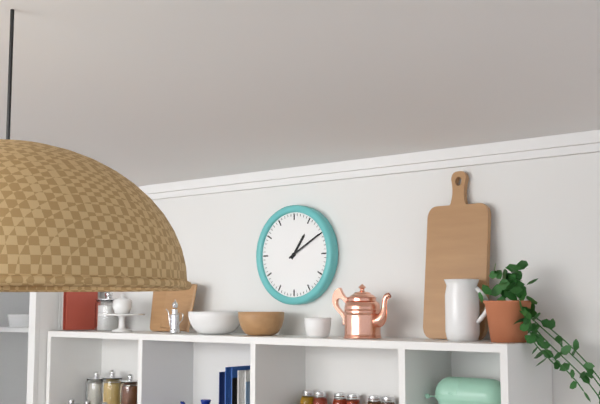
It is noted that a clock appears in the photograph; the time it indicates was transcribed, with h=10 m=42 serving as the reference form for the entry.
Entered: h=1 m=10
